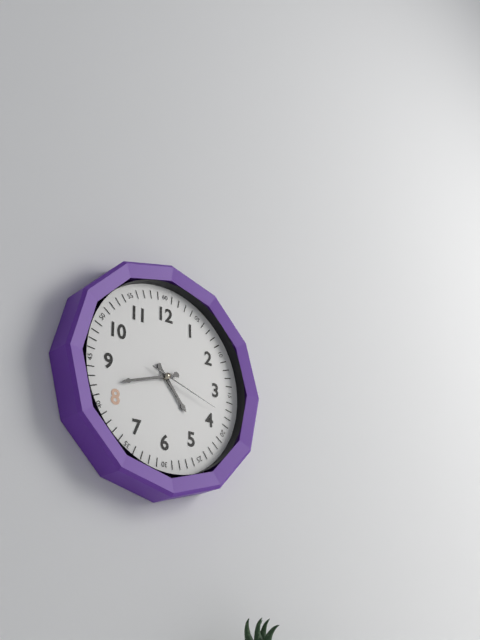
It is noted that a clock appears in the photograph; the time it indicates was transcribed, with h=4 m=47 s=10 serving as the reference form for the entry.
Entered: h=4 m=42 s=18
